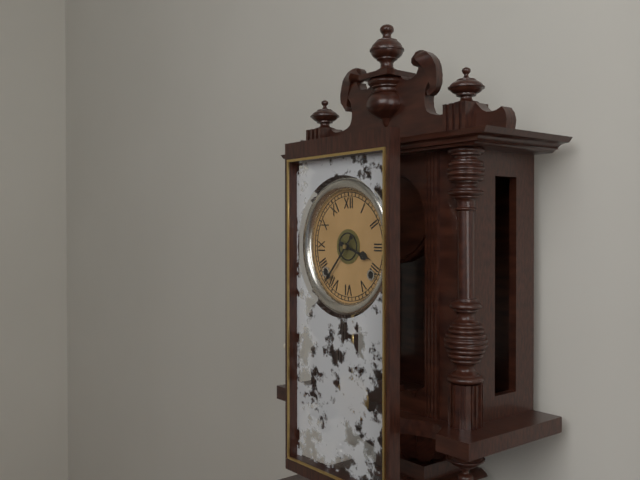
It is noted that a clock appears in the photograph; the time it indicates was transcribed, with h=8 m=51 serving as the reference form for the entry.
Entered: h=3 m=37
